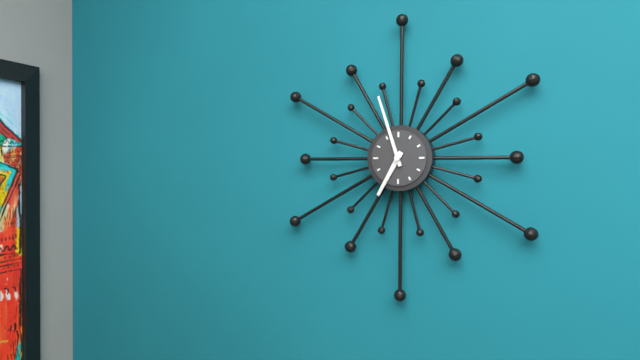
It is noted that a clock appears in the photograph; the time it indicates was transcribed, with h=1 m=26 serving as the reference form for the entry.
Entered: h=6 m=57
